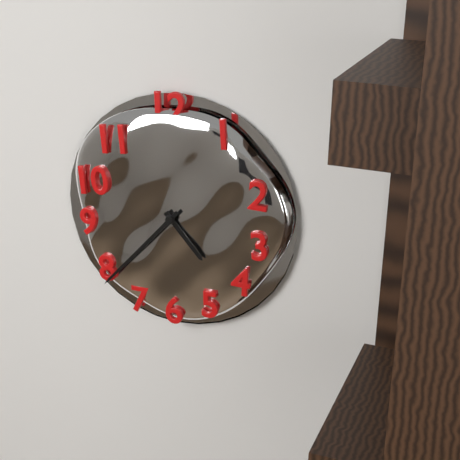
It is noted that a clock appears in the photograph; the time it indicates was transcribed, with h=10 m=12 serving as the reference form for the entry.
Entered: h=4 m=37
